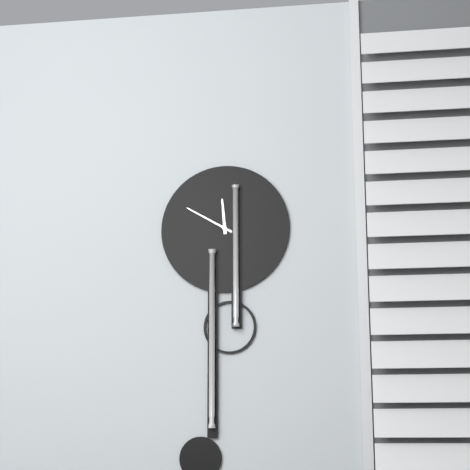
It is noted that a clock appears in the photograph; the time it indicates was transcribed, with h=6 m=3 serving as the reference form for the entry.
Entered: h=11 m=50
